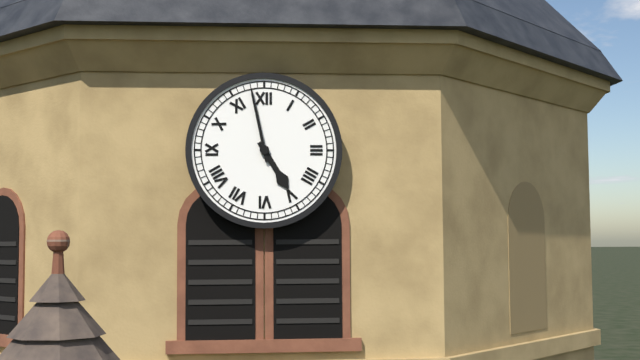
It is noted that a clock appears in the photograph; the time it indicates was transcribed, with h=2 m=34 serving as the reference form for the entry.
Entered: h=4 m=58
